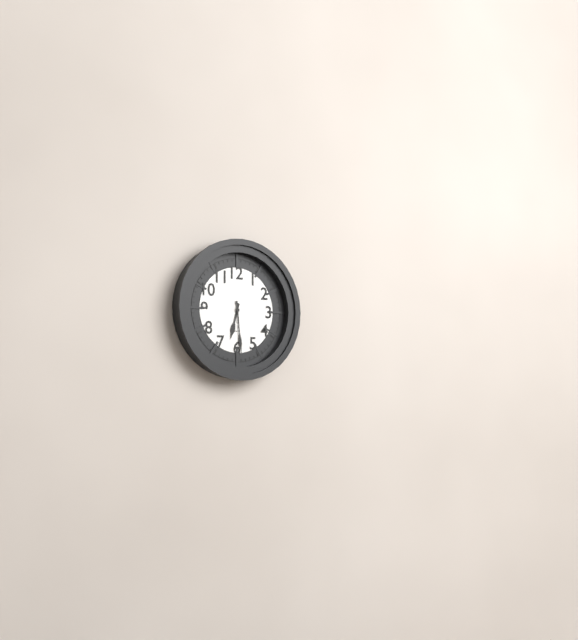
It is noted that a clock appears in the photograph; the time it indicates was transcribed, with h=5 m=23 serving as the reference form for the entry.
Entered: h=6 m=29
